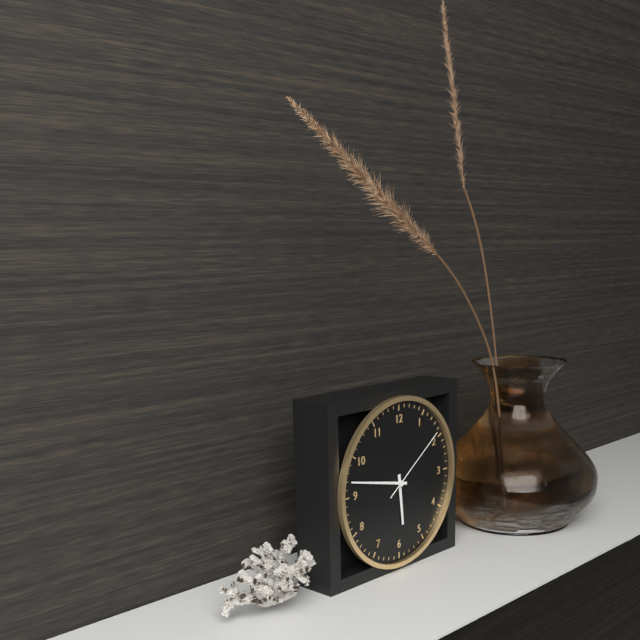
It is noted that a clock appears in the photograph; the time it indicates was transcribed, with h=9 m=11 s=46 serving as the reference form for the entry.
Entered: h=5 m=47 s=9
